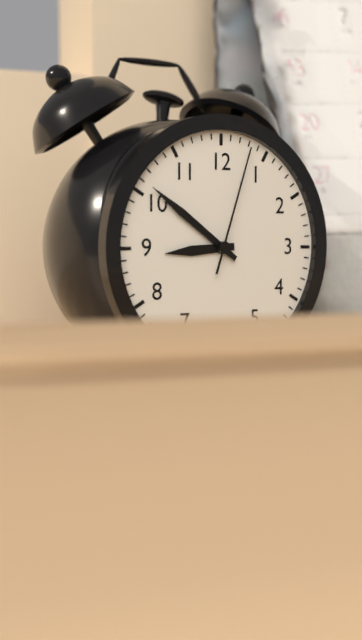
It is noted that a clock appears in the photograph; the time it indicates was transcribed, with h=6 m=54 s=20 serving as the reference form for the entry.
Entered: h=8 m=51 s=3
